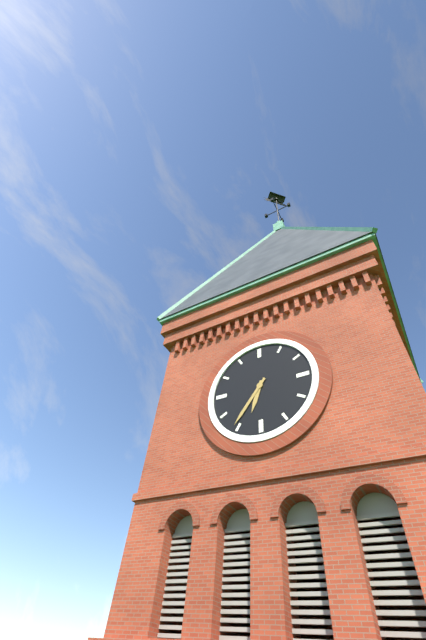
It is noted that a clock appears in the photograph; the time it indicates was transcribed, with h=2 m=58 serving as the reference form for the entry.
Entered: h=6 m=36
